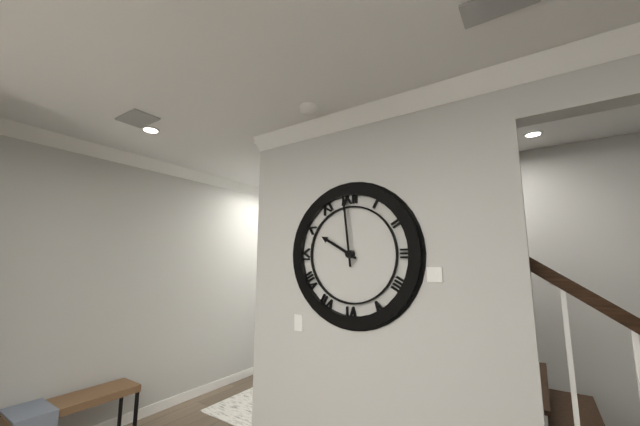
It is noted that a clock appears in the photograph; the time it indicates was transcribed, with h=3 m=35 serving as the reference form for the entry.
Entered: h=9 m=59
